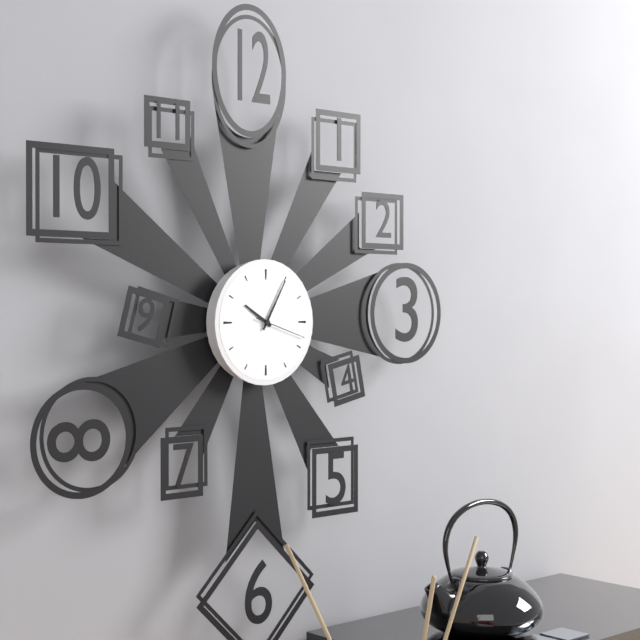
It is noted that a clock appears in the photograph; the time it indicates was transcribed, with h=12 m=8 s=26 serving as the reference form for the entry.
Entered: h=10 m=5 s=18
